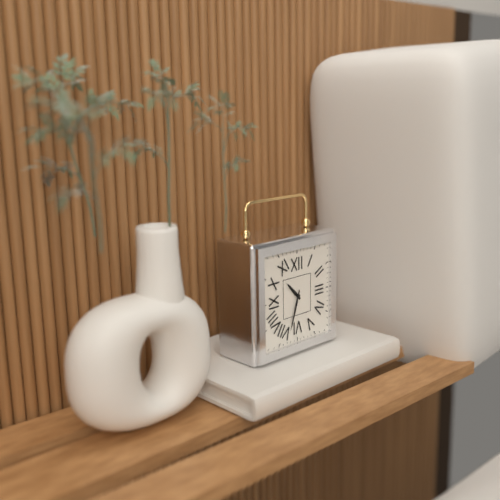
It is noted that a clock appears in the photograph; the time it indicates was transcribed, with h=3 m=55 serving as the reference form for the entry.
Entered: h=10 m=33
